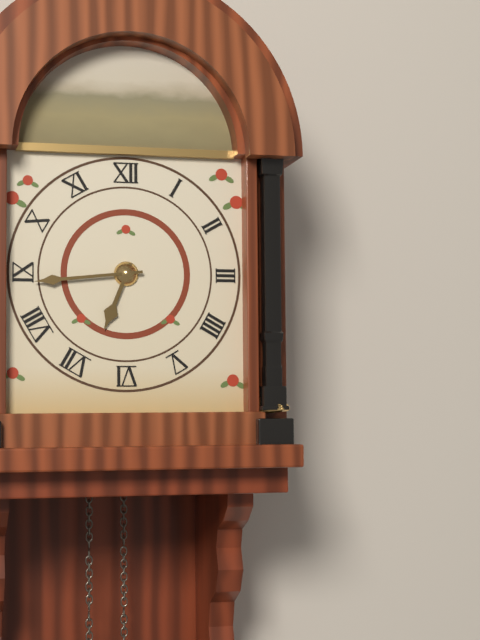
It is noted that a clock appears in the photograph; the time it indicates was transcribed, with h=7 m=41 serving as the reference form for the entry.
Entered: h=6 m=44
